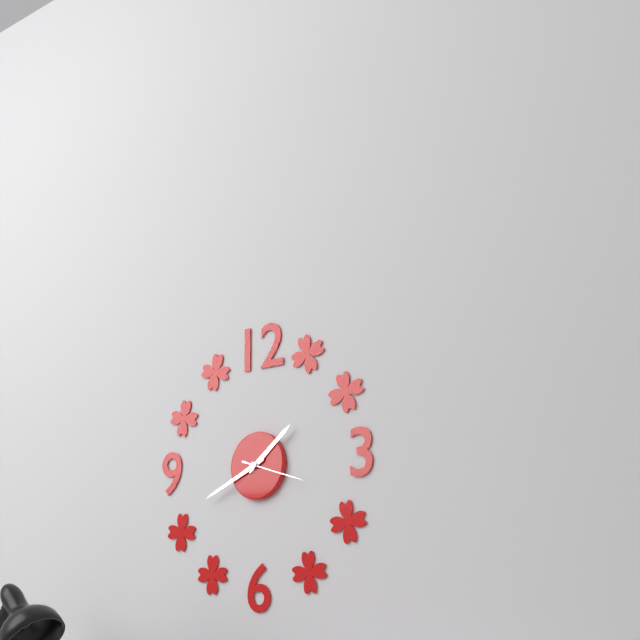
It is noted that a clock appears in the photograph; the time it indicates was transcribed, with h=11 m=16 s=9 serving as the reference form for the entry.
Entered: h=1 m=41 s=18
